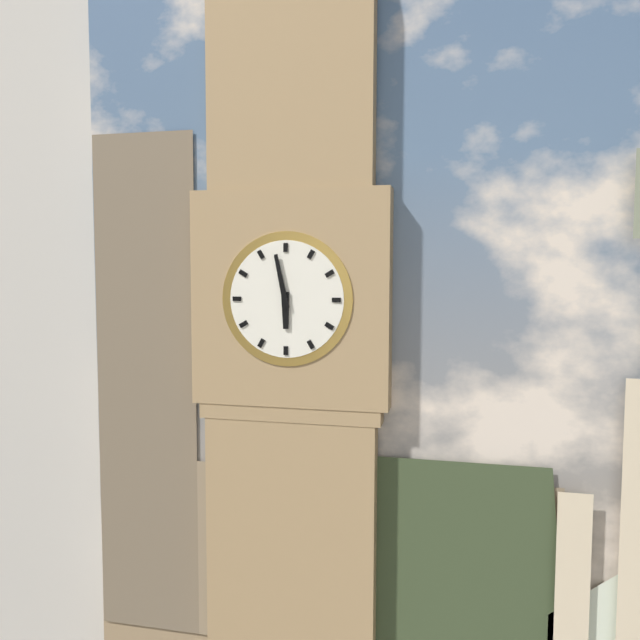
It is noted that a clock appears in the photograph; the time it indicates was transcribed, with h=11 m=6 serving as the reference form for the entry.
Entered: h=5 m=58
